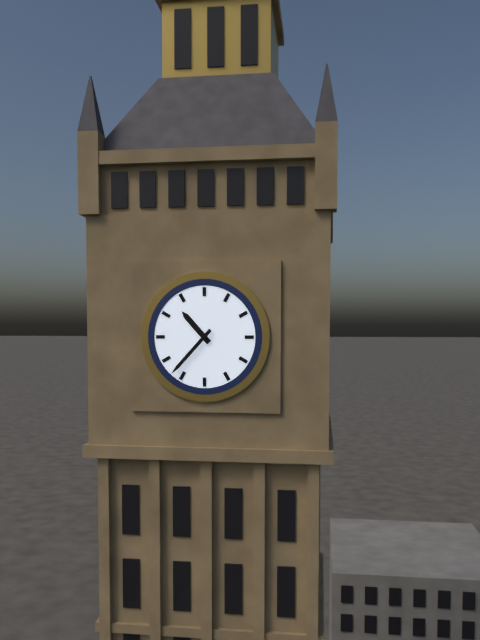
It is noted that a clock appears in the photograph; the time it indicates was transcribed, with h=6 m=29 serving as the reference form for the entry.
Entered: h=10 m=37
